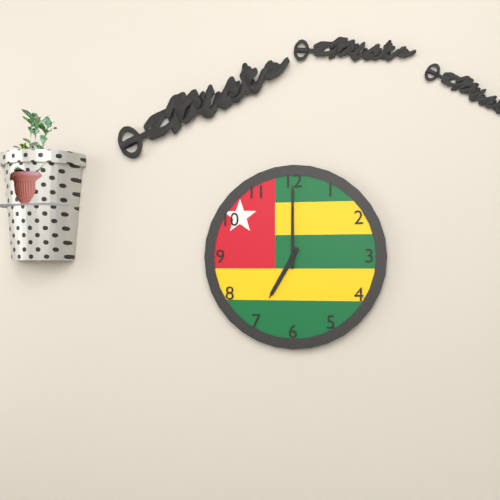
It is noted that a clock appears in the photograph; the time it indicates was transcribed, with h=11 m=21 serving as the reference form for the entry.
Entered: h=7 m=0
